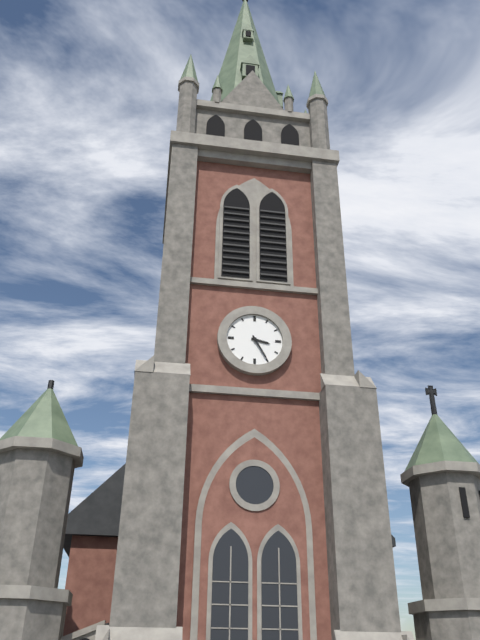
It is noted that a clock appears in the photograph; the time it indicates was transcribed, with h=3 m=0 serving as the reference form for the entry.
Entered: h=3 m=25
